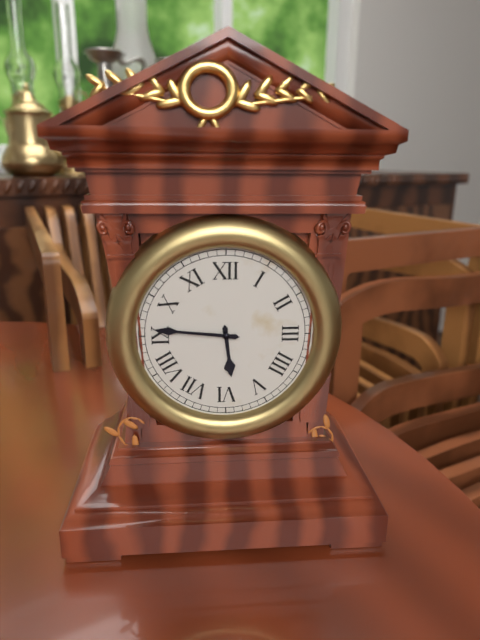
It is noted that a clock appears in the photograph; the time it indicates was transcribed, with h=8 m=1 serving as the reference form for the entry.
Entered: h=5 m=46
